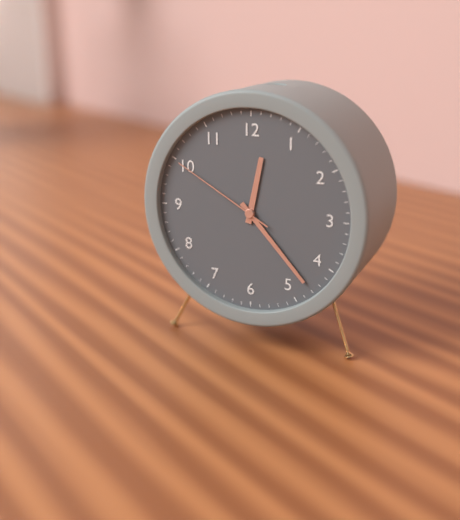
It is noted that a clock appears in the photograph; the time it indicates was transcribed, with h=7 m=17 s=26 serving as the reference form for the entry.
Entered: h=12 m=23 s=50
